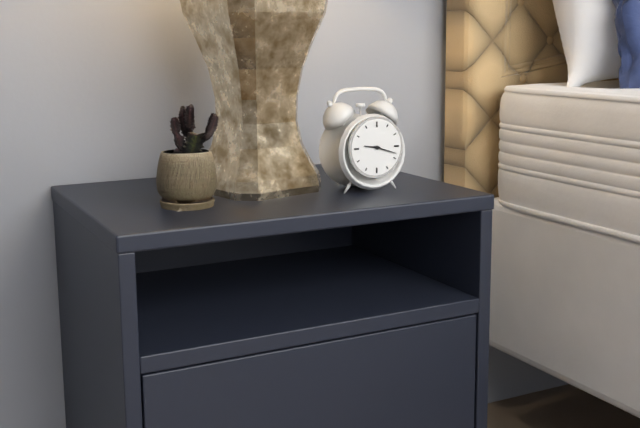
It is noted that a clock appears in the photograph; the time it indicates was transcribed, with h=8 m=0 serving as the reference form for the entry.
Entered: h=9 m=18
